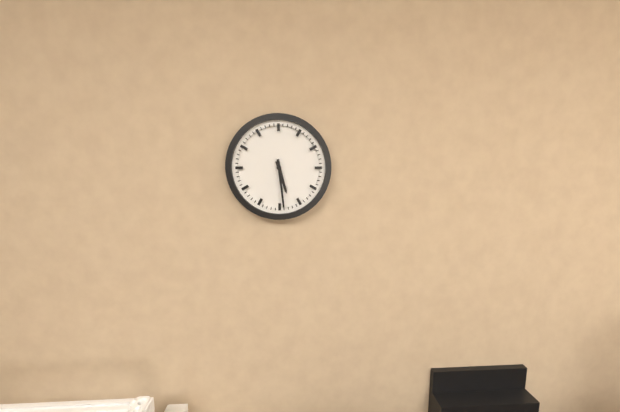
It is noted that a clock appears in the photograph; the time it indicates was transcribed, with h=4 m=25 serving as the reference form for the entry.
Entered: h=5 m=29
